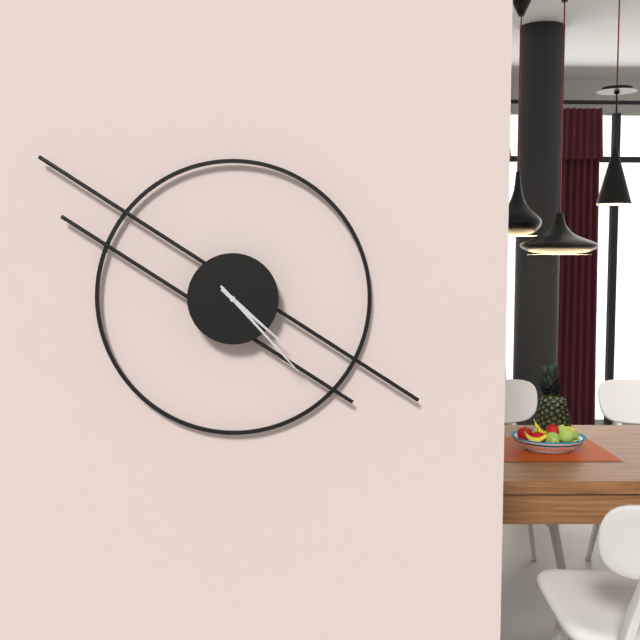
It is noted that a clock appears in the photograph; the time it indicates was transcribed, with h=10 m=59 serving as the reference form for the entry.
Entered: h=4 m=23
